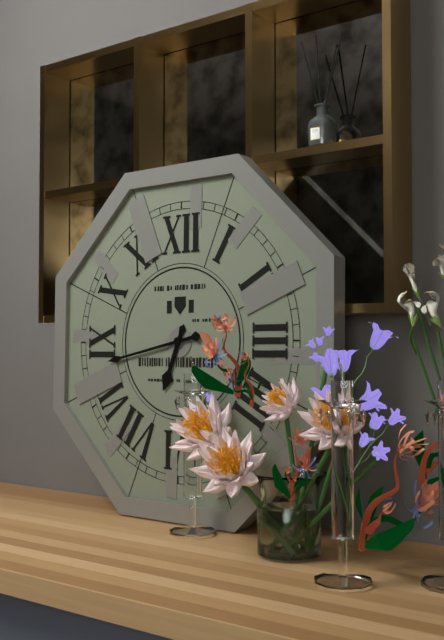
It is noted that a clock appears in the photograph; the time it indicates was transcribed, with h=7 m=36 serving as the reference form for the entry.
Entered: h=6 m=43
